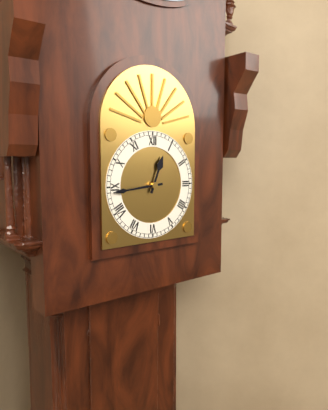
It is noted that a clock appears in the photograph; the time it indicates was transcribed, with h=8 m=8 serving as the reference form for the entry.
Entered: h=12 m=44
